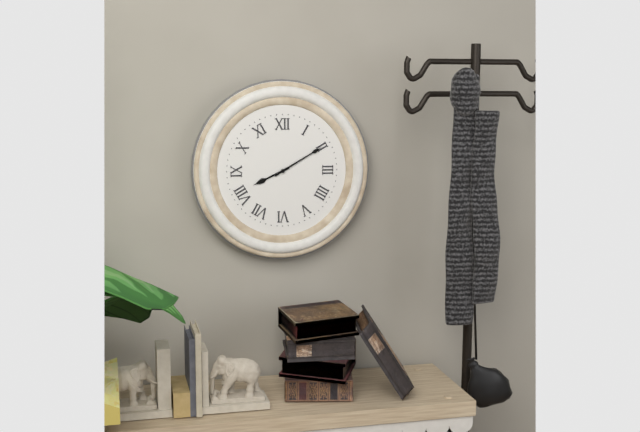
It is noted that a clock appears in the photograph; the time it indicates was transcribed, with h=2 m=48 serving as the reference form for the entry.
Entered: h=8 m=10
